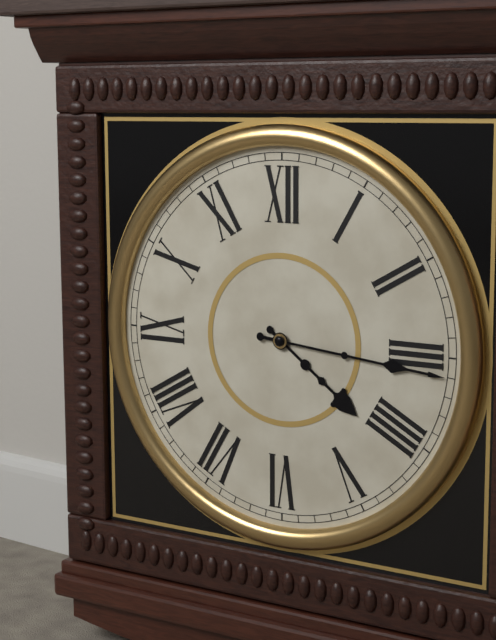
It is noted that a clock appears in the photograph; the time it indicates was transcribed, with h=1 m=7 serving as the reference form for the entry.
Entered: h=4 m=16
